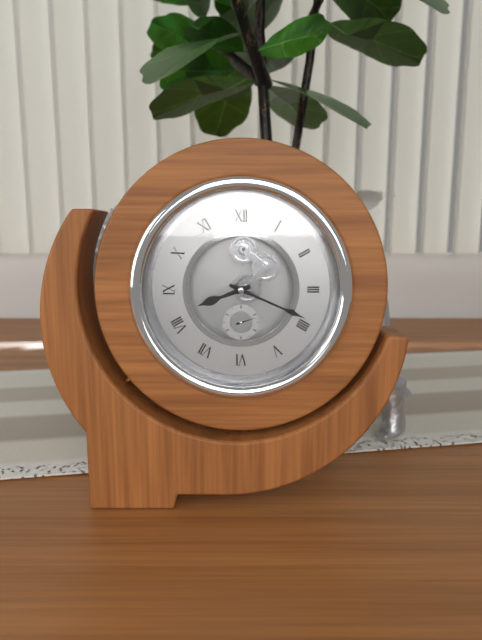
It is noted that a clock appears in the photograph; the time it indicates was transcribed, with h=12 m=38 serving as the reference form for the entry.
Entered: h=8 m=19
